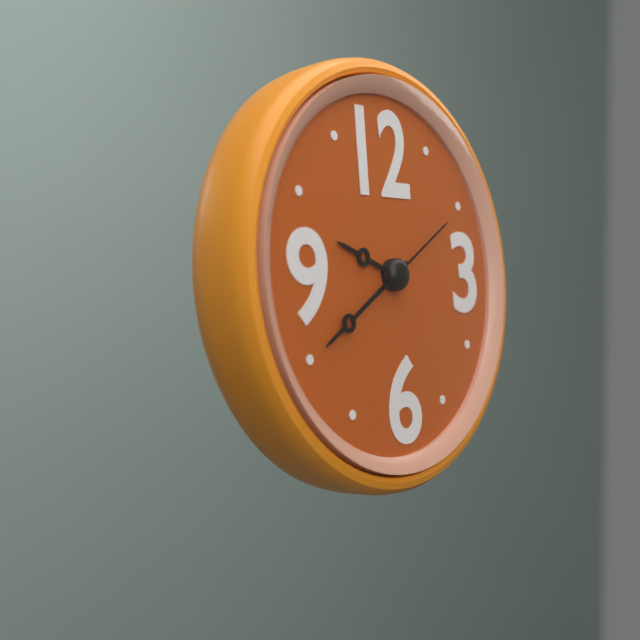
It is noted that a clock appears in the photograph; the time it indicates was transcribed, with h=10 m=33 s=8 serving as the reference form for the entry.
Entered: h=9 m=40 s=10
